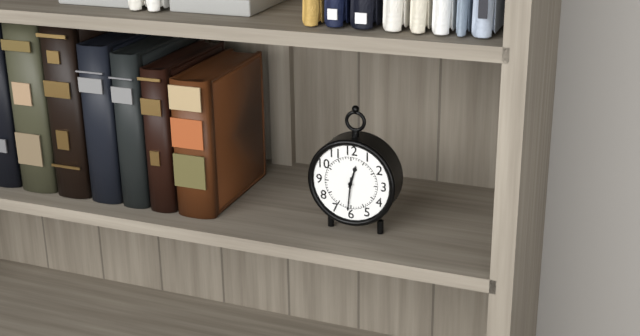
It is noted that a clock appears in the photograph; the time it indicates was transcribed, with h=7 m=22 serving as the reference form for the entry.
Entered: h=12 m=31
